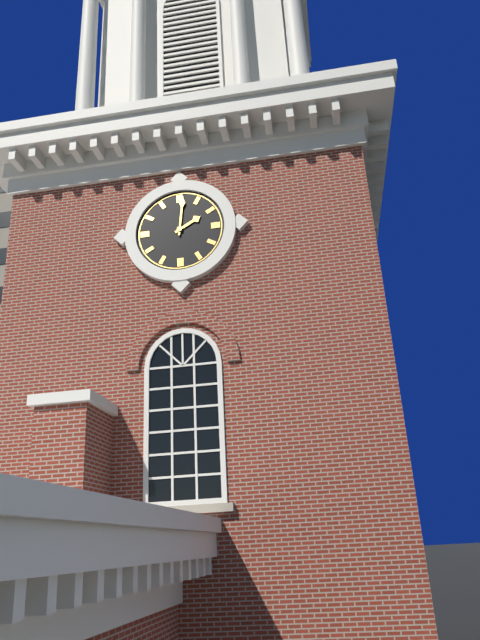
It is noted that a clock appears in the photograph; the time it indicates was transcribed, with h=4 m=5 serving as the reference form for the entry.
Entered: h=2 m=1
